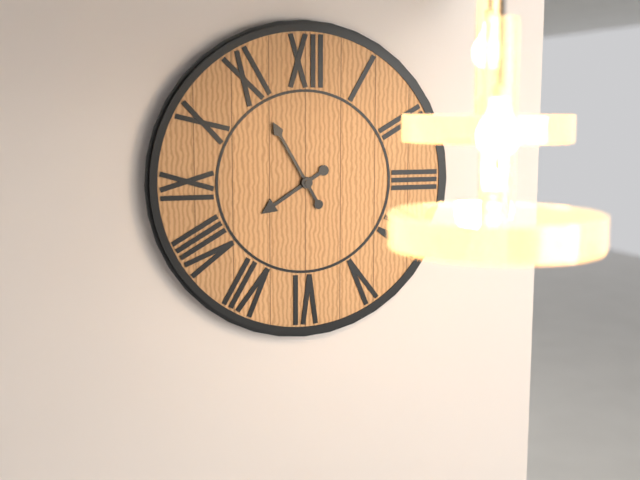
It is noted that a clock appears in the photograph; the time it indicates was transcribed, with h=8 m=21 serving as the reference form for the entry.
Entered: h=7 m=55
